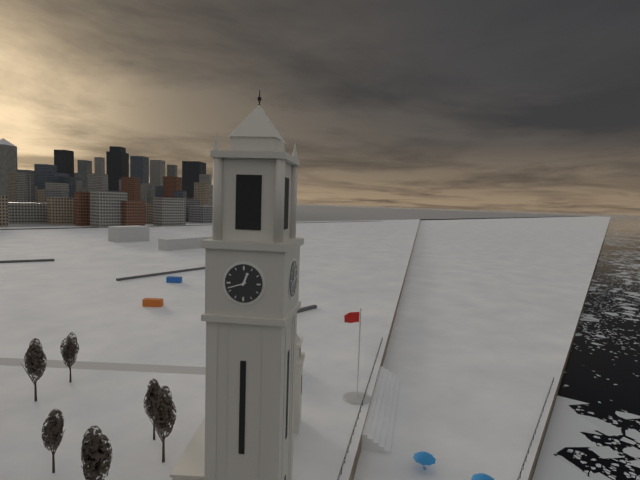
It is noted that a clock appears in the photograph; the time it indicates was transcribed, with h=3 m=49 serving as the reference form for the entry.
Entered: h=12 m=42
